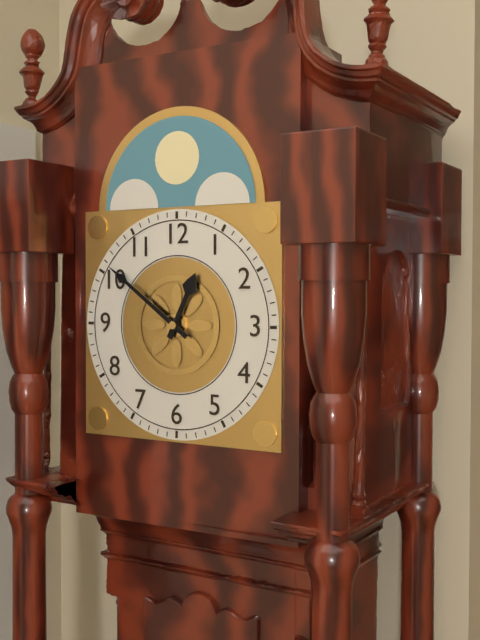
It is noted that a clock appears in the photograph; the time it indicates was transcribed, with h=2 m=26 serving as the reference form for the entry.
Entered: h=12 m=51
